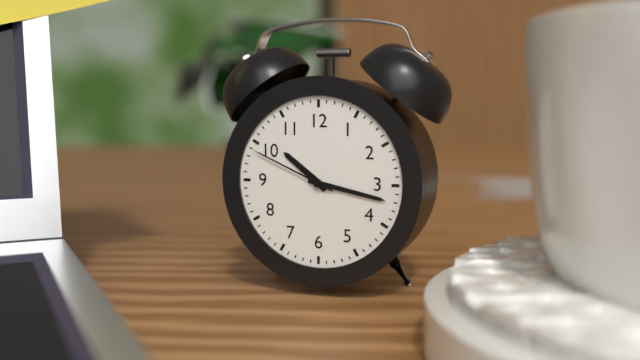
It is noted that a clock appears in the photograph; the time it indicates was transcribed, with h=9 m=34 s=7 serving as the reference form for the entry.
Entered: h=10 m=17 s=49
